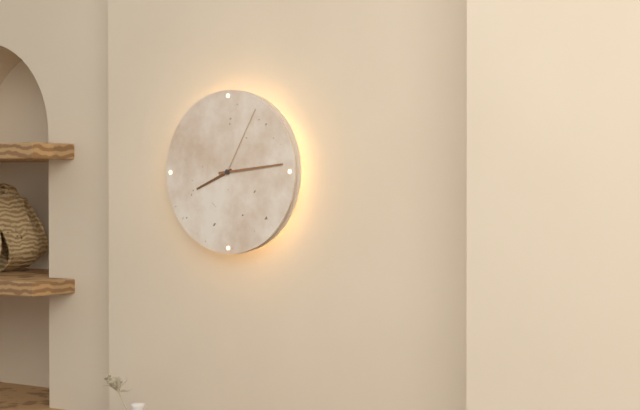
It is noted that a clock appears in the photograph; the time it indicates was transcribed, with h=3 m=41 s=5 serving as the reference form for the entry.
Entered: h=8 m=14 s=5
